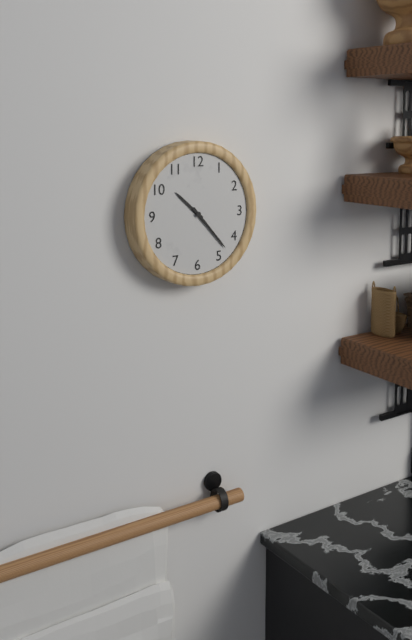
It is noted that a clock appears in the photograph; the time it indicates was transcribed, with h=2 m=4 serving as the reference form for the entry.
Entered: h=10 m=23
